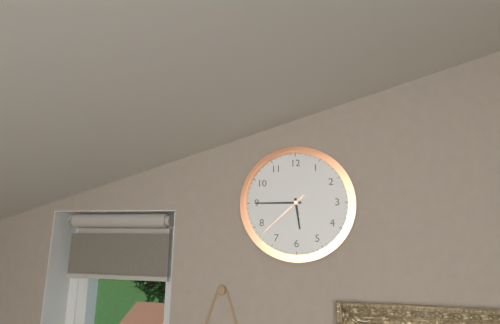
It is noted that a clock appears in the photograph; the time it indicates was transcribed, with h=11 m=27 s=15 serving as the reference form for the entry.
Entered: h=5 m=45 s=38
